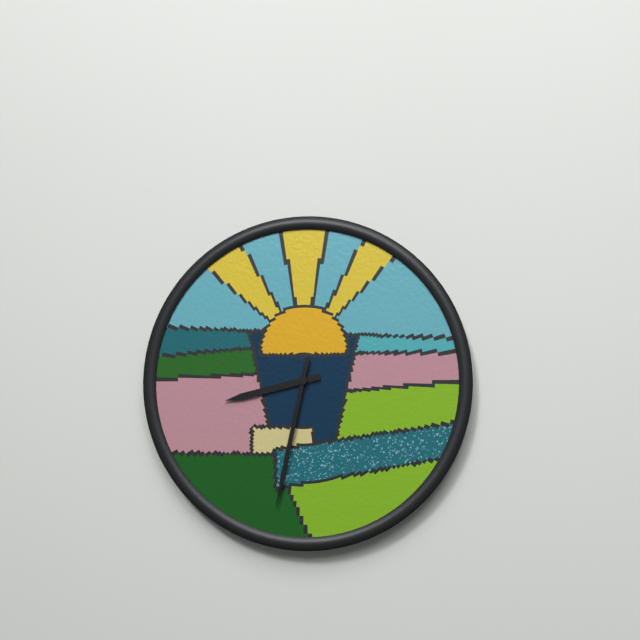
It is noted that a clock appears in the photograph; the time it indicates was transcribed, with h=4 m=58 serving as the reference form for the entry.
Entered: h=8 m=32
